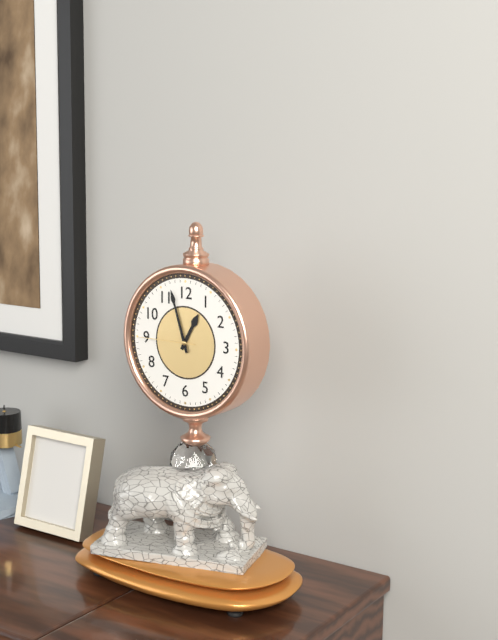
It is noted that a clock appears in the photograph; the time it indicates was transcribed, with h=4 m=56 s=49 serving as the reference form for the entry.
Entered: h=12 m=57 s=45
